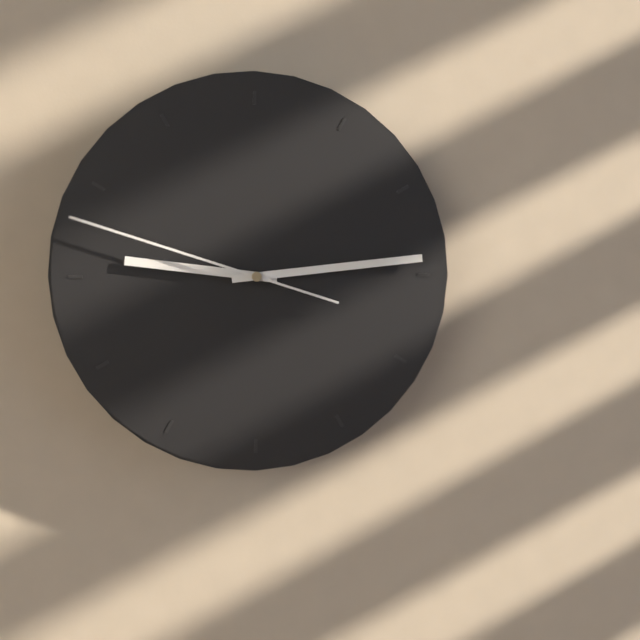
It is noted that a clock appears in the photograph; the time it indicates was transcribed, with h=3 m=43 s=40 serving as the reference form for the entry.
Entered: h=9 m=14 s=48
